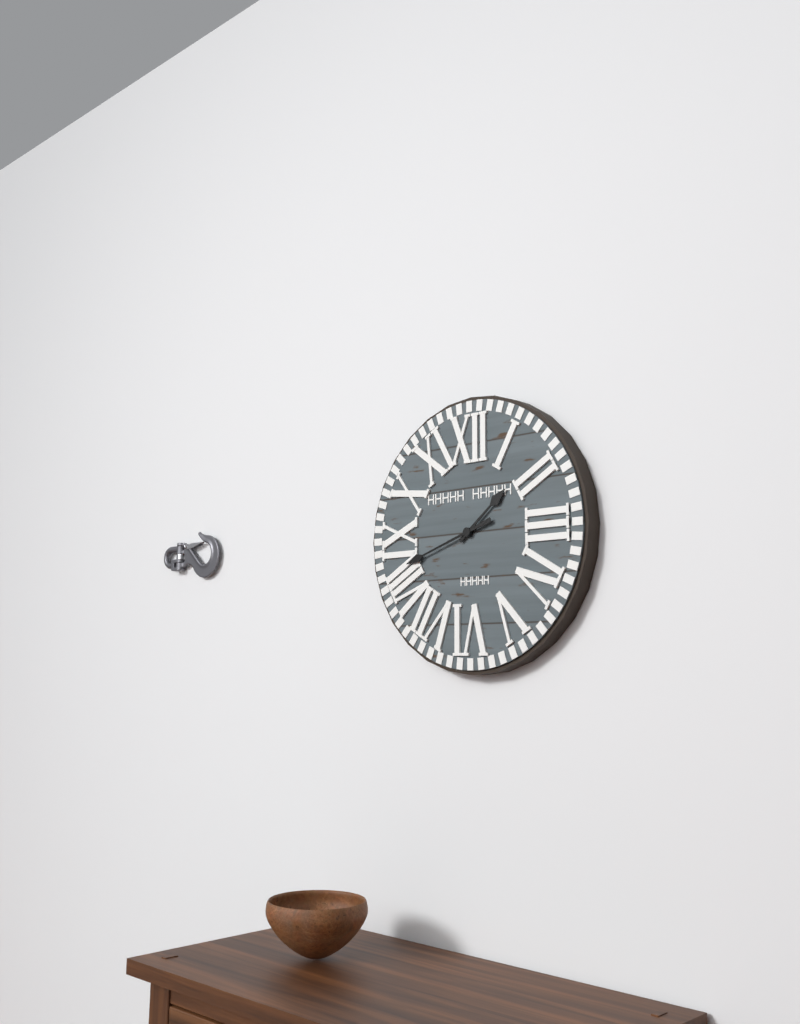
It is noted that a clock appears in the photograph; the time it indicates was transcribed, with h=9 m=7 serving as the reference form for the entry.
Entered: h=1 m=42
